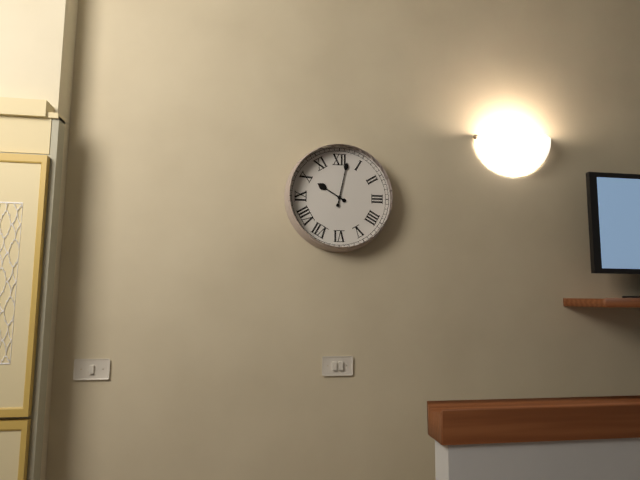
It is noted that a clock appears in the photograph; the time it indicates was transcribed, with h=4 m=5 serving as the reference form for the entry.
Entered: h=10 m=2
